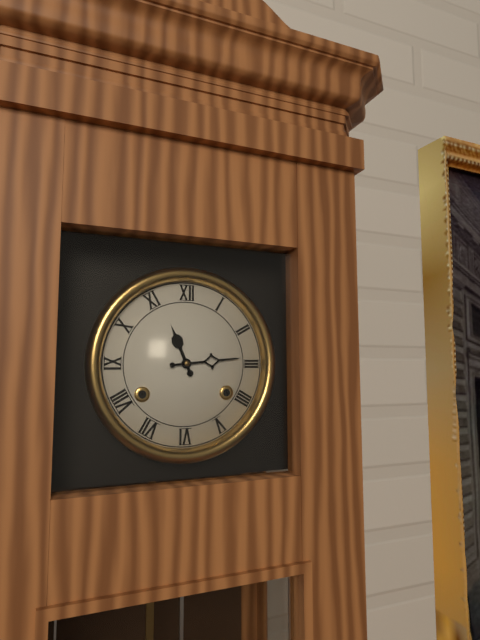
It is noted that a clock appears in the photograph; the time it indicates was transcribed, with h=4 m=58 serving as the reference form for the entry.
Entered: h=11 m=14
